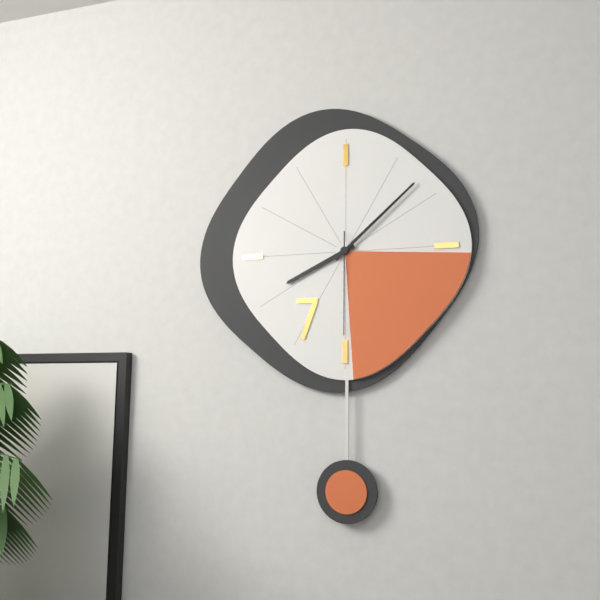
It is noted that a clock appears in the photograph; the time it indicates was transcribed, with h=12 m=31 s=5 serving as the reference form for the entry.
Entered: h=8 m=8 s=30
